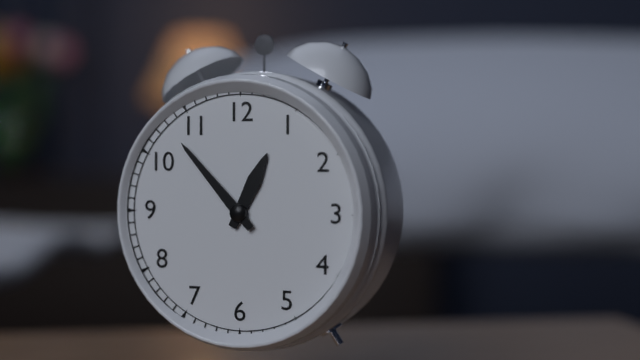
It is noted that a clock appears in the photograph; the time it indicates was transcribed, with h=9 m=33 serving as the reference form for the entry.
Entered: h=12 m=53
